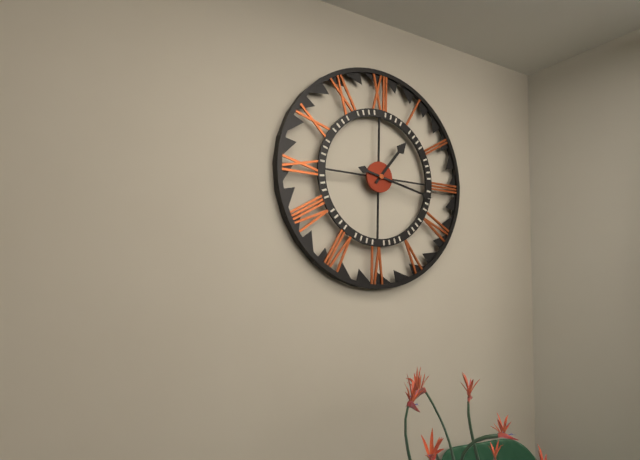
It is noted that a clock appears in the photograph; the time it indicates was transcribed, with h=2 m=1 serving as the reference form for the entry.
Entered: h=1 m=17
